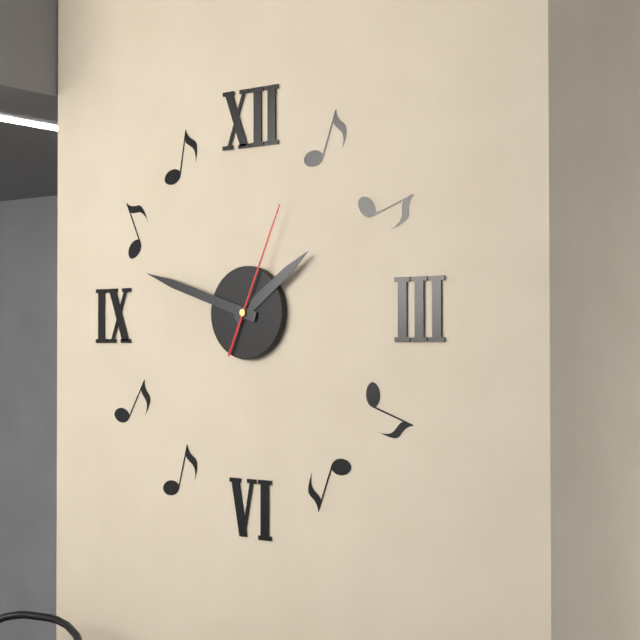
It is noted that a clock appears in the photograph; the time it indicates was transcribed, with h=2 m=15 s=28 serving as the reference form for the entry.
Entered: h=1 m=48 s=4
